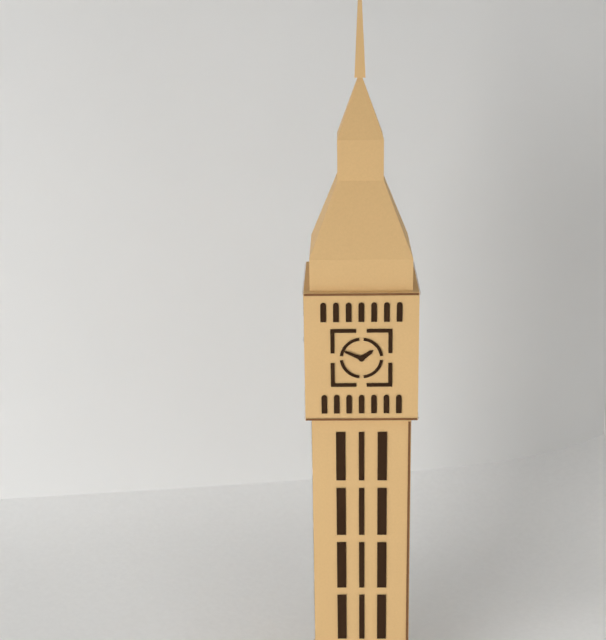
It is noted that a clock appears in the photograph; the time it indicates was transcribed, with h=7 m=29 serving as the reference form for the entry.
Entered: h=1 m=49
